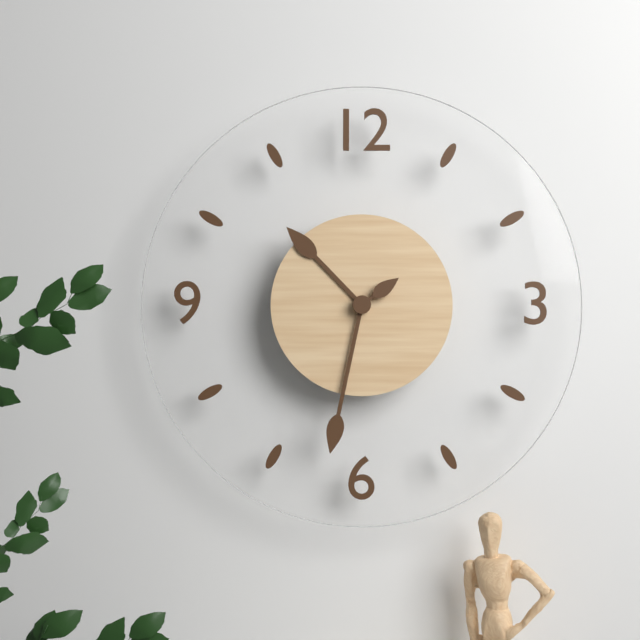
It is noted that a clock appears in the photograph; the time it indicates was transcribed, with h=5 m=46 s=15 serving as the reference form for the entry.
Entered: h=10 m=32 s=9
